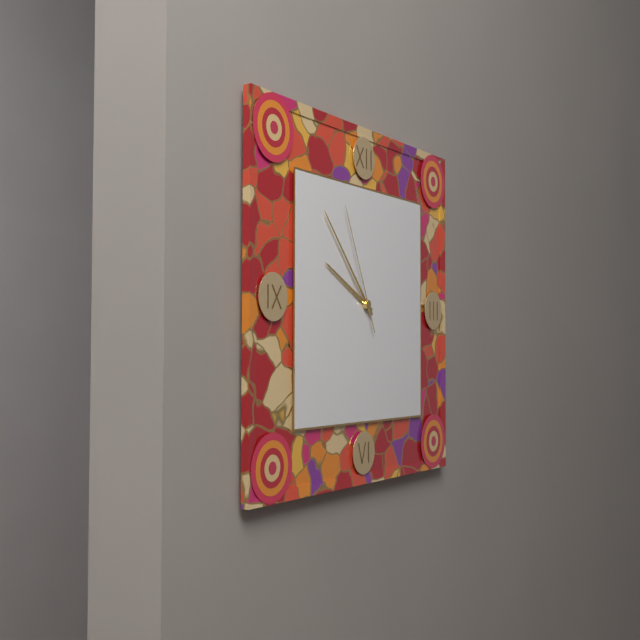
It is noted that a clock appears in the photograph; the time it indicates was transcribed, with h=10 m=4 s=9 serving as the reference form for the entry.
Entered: h=9 m=53 s=56
